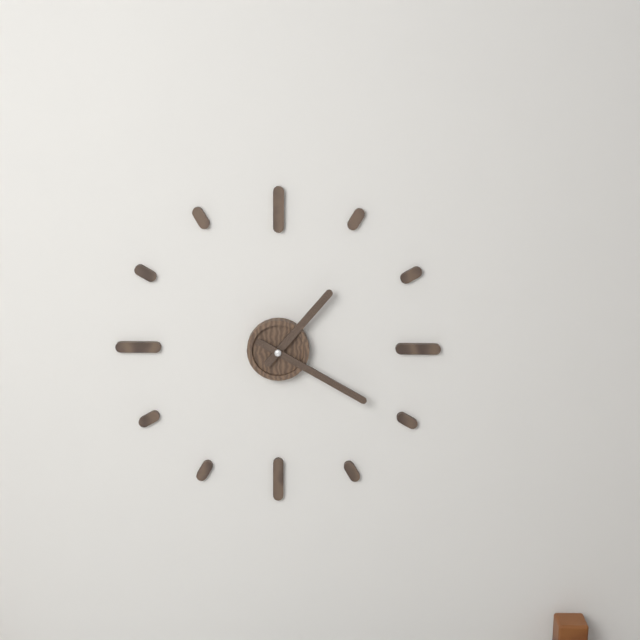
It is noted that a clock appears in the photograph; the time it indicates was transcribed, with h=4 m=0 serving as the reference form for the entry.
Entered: h=1 m=20
